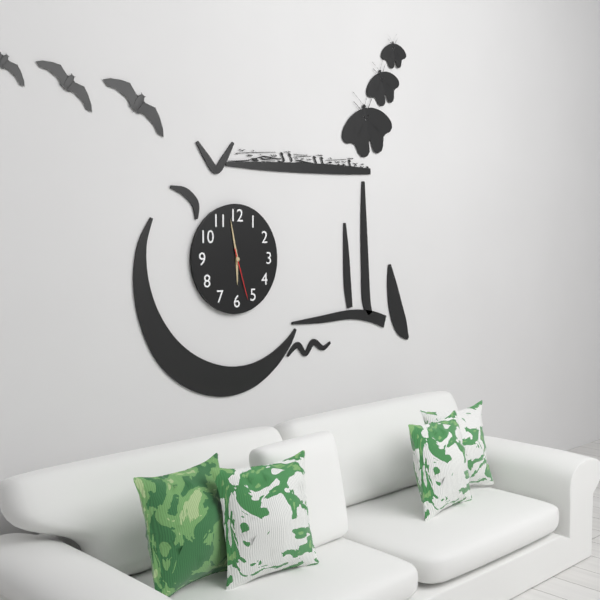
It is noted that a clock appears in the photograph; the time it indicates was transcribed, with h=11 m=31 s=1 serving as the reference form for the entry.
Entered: h=5 m=58 s=27
